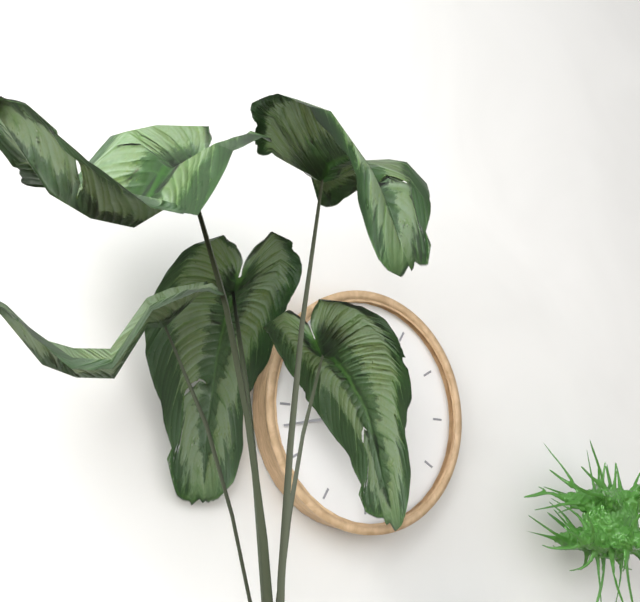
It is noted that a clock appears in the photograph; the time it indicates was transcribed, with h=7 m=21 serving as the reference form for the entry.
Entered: h=12 m=43
